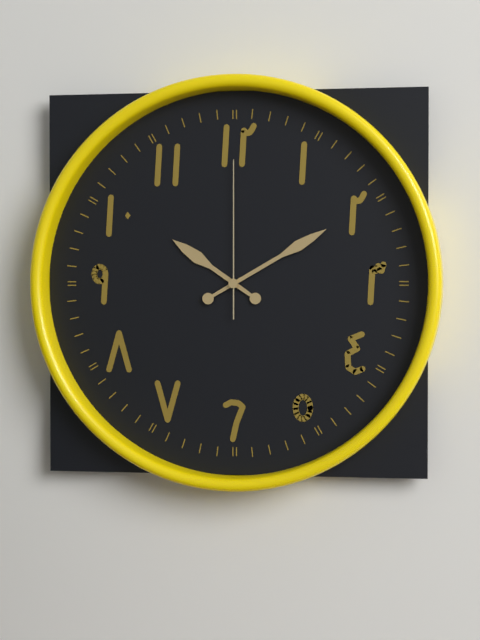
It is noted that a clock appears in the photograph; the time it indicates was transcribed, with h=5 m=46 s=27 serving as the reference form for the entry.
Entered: h=10 m=10 s=0
